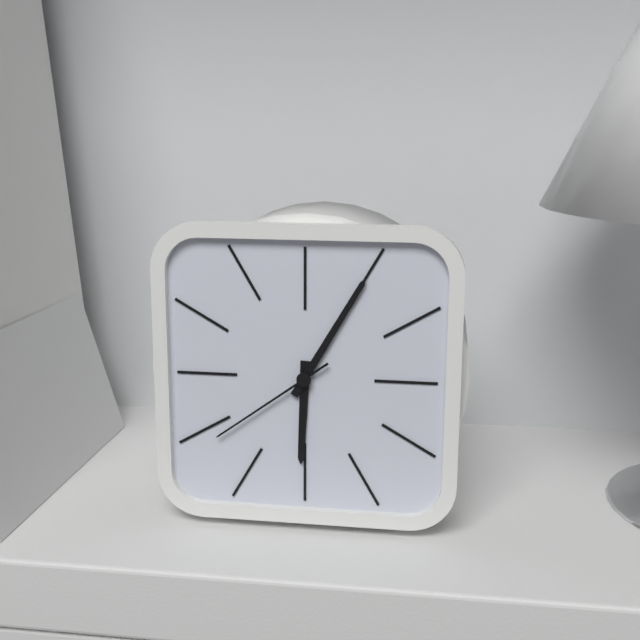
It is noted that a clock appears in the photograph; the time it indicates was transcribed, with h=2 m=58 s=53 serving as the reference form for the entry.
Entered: h=6 m=5 s=39
